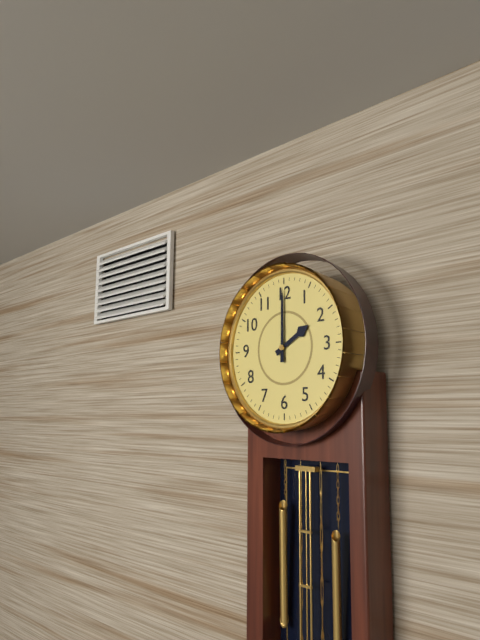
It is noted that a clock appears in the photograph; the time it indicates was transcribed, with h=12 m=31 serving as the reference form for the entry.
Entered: h=2 m=0
